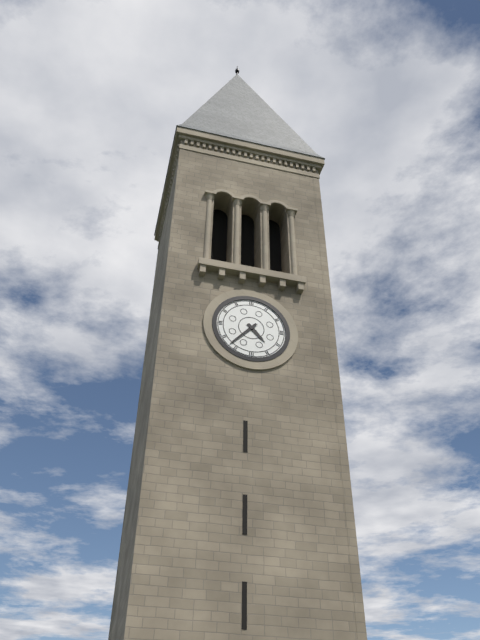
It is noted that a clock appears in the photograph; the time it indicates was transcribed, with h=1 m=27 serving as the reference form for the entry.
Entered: h=4 m=37
